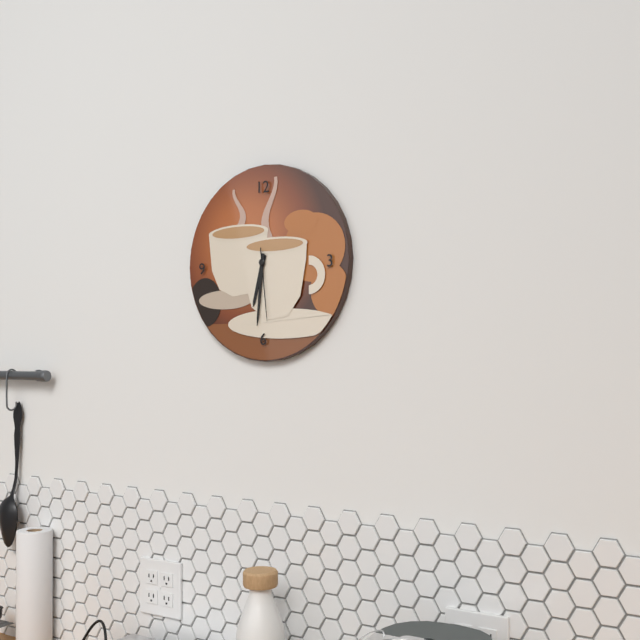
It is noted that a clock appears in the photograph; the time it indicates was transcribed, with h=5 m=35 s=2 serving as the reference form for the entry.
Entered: h=6 m=31 s=29
